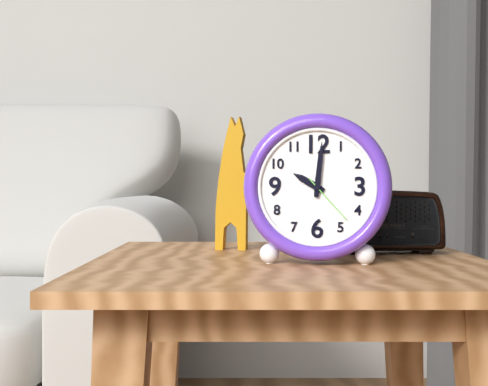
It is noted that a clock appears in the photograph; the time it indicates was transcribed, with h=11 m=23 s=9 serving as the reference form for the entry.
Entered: h=10 m=1 s=23
